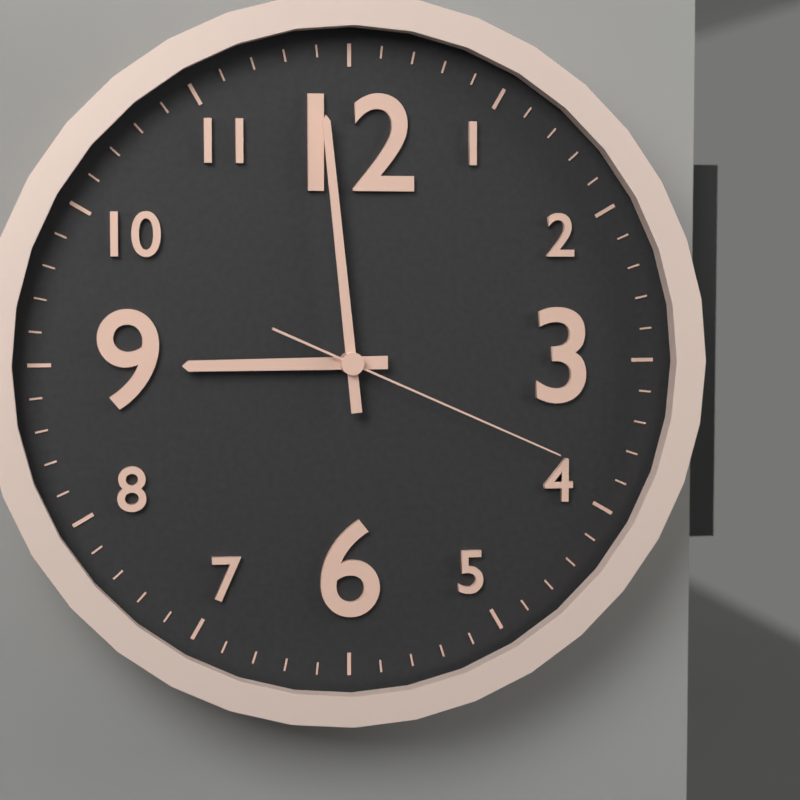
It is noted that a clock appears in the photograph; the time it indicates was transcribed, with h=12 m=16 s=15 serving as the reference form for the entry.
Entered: h=8 m=59 s=19
